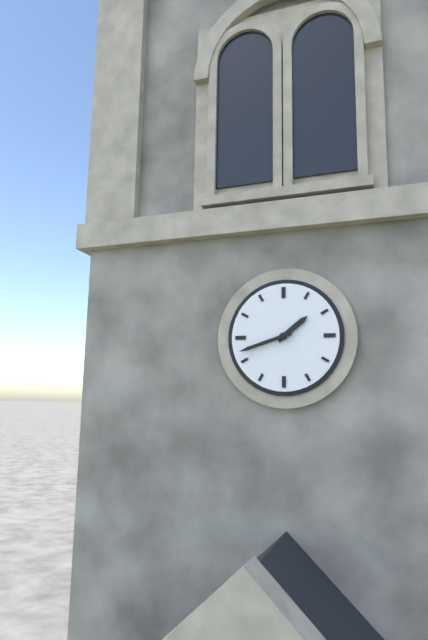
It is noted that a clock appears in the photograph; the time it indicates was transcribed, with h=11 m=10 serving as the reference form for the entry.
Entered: h=1 m=42
